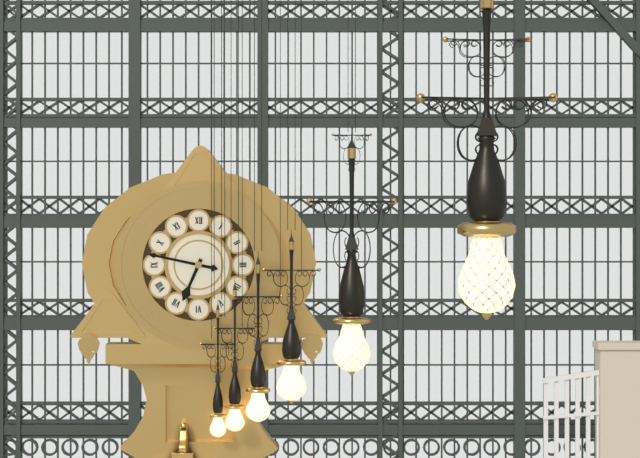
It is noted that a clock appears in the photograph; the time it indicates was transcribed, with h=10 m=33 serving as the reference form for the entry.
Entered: h=6 m=47
